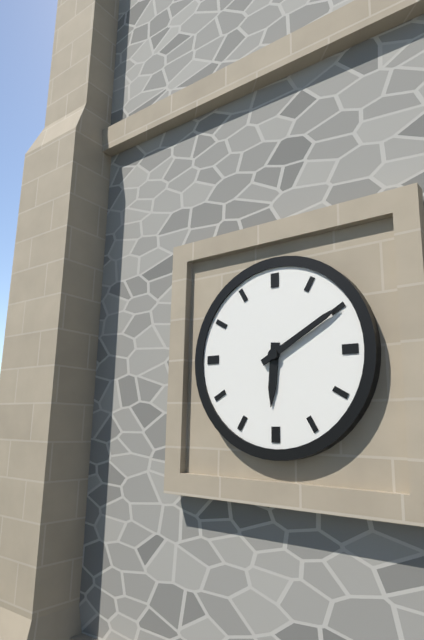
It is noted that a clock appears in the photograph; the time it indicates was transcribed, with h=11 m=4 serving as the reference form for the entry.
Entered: h=6 m=10
